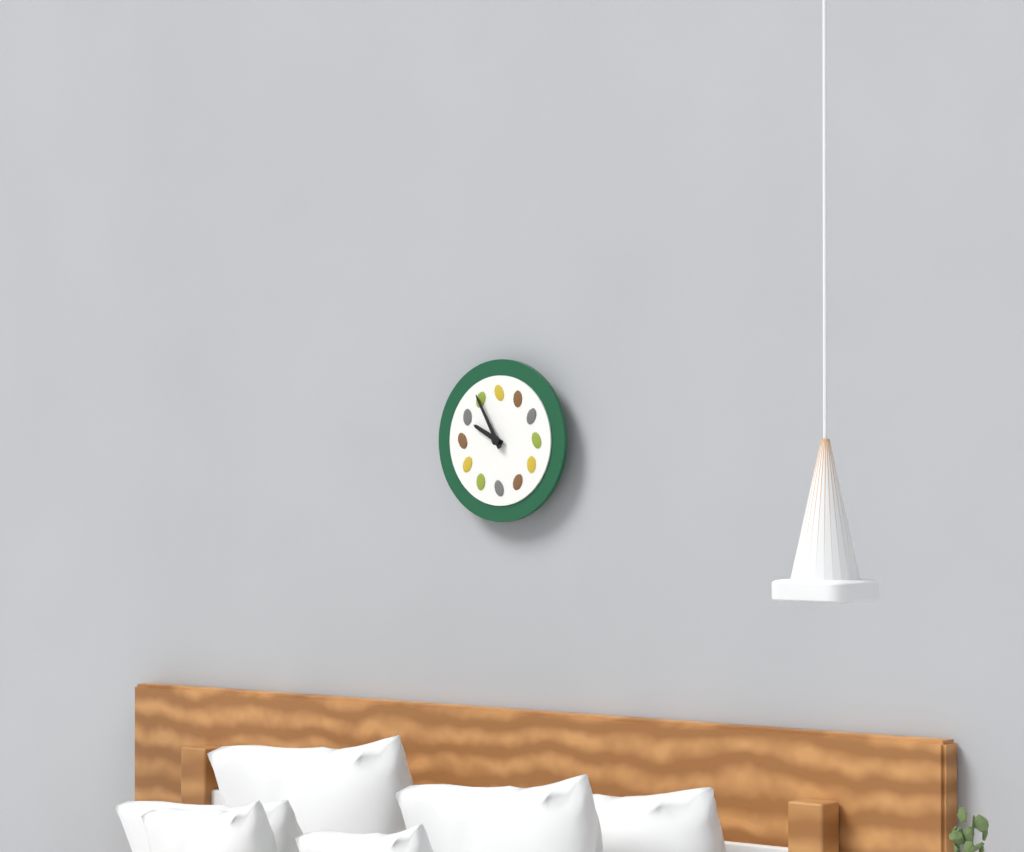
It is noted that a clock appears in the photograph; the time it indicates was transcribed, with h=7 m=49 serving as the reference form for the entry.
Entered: h=9 m=55
